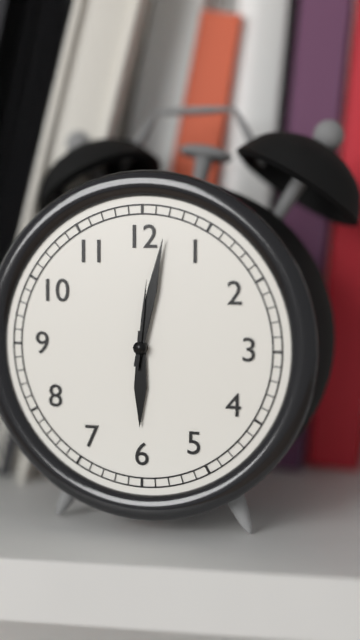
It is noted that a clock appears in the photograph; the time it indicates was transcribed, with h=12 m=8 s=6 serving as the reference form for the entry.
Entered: h=6 m=2 s=1
